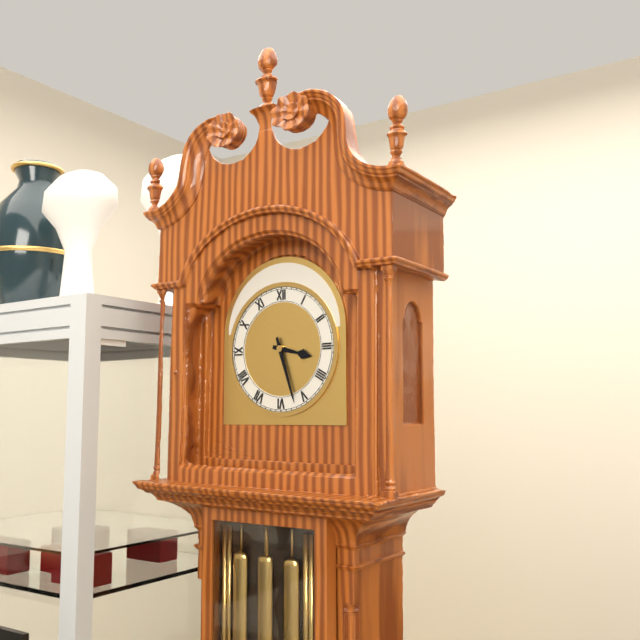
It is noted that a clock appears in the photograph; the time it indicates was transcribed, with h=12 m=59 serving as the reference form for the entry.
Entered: h=3 m=27
